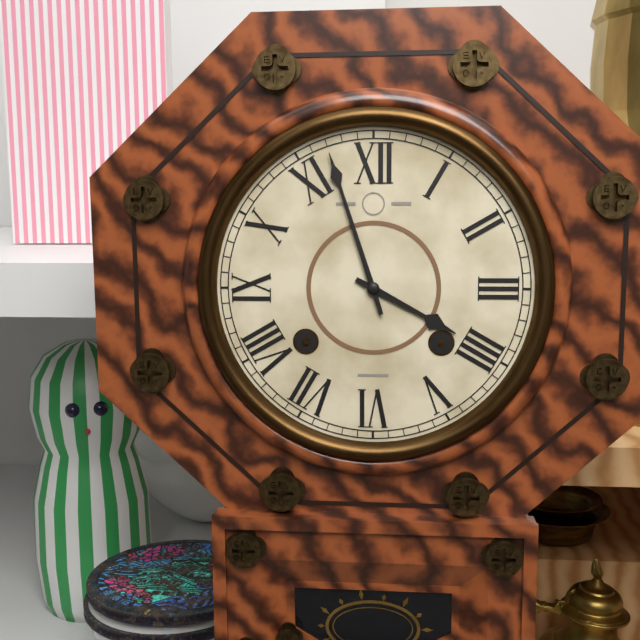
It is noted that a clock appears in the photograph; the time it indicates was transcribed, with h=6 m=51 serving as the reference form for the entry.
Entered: h=3 m=57
